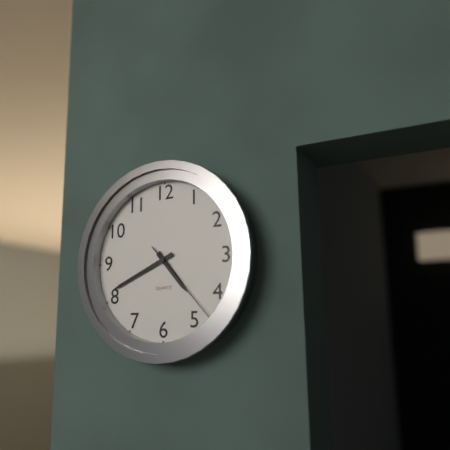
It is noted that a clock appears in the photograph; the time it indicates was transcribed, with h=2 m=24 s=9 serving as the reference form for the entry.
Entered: h=4 m=41 s=23
